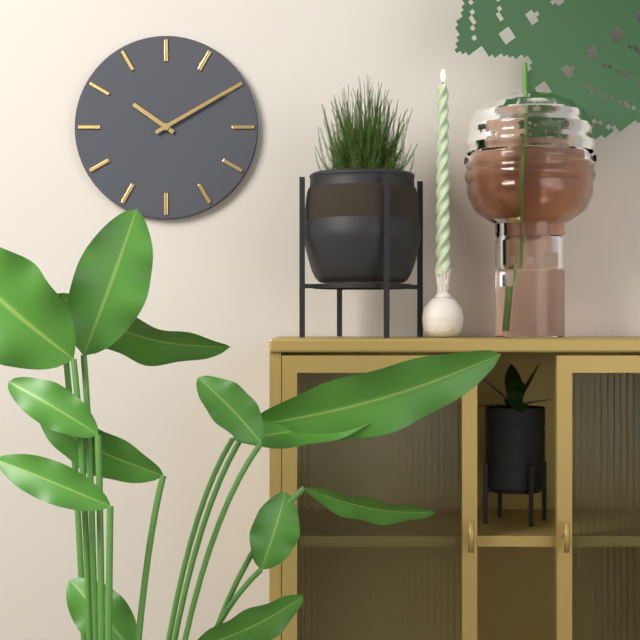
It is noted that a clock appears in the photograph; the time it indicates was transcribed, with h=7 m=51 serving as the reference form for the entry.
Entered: h=10 m=10
